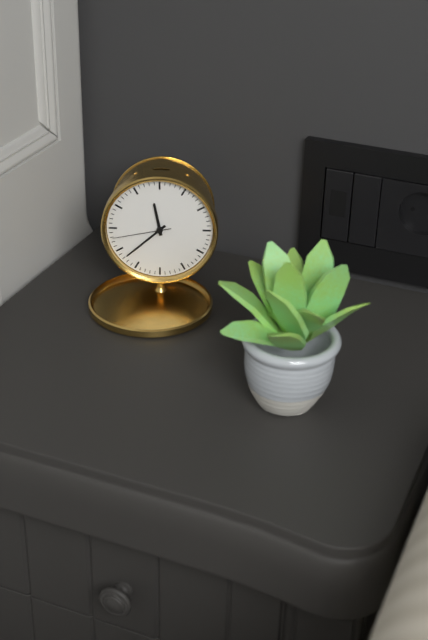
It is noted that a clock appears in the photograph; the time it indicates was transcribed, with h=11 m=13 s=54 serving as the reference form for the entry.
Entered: h=11 m=38 s=43
